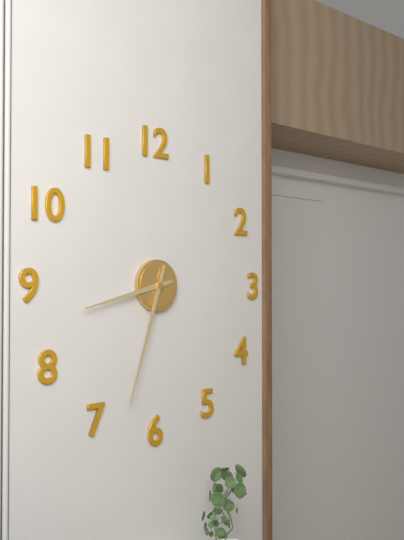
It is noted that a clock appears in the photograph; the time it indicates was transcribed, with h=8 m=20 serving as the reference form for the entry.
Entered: h=8 m=33
